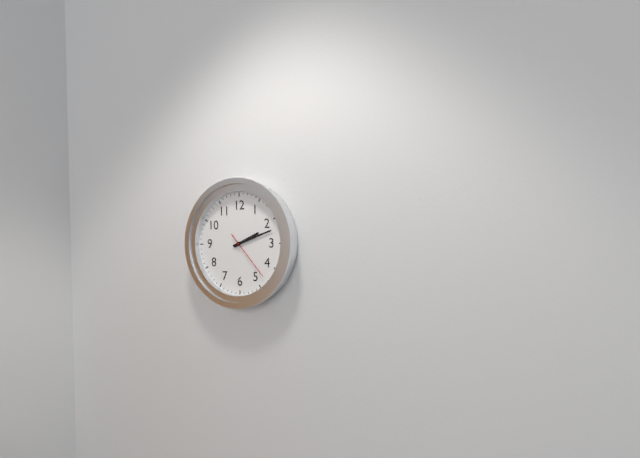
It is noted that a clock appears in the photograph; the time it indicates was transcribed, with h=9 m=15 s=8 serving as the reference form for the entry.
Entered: h=2 m=12 s=23
